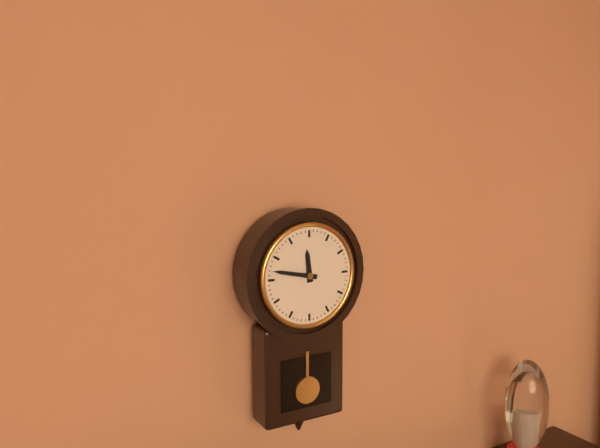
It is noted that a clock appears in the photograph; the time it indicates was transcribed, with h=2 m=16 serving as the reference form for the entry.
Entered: h=11 m=47
